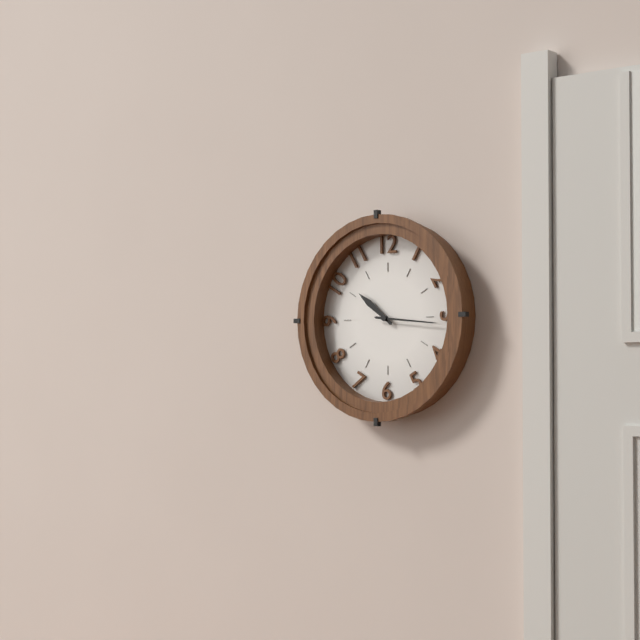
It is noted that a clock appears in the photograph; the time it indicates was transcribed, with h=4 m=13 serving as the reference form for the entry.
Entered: h=10 m=16
